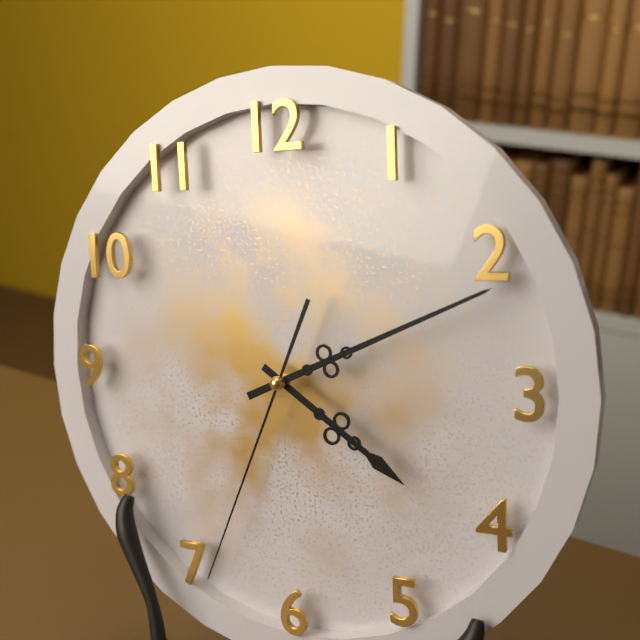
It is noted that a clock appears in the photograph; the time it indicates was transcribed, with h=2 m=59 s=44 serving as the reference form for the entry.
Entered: h=4 m=11 s=34
